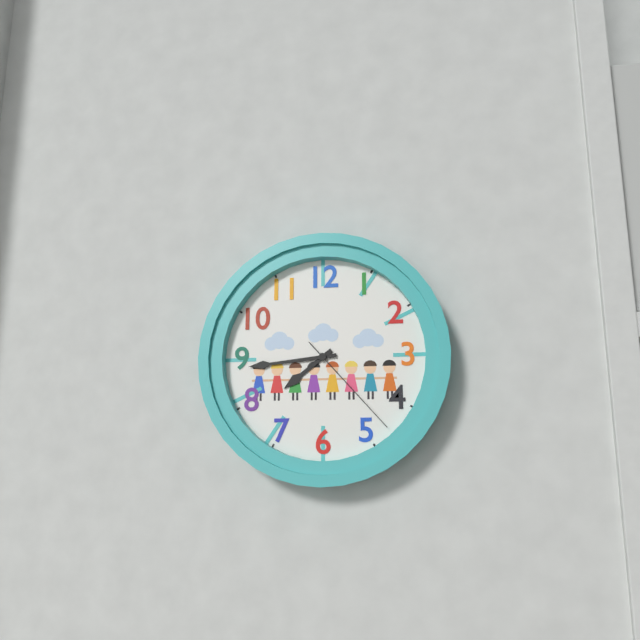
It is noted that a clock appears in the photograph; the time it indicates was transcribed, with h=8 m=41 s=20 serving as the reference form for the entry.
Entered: h=7 m=44 s=23
